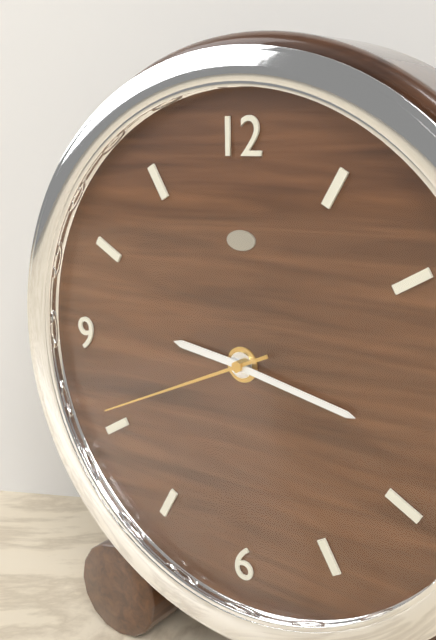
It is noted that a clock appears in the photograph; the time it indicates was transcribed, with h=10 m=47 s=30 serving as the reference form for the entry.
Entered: h=9 m=17 s=41
